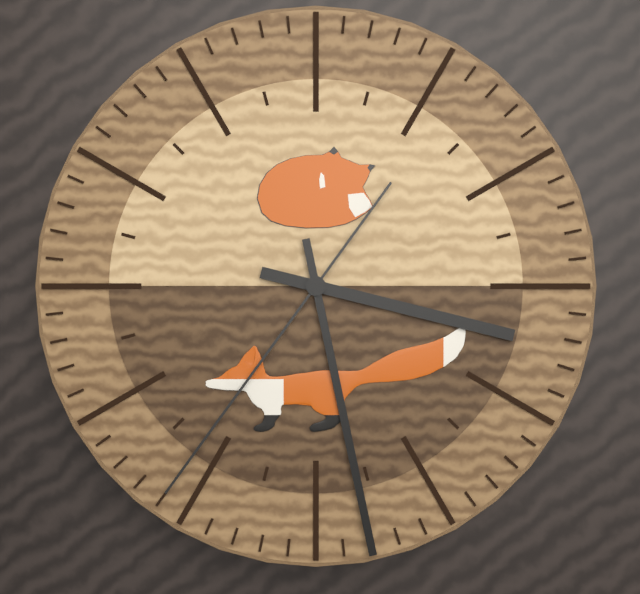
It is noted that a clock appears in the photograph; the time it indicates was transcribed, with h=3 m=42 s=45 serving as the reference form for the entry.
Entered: h=3 m=28 s=36
